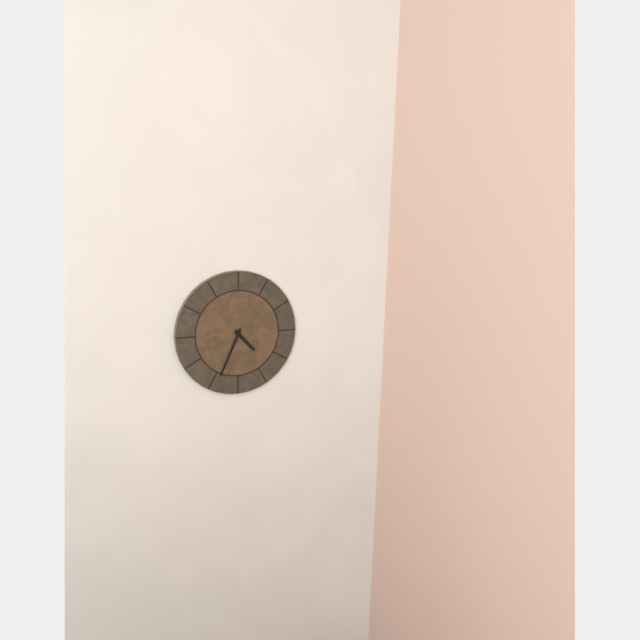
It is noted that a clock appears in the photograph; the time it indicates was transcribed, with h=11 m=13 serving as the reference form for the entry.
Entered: h=4 m=34
